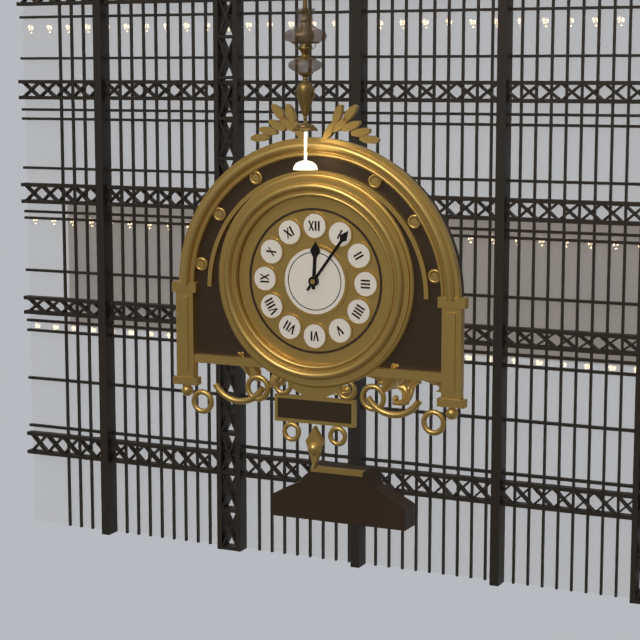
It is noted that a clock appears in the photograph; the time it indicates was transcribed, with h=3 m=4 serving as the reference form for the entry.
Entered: h=12 m=6
